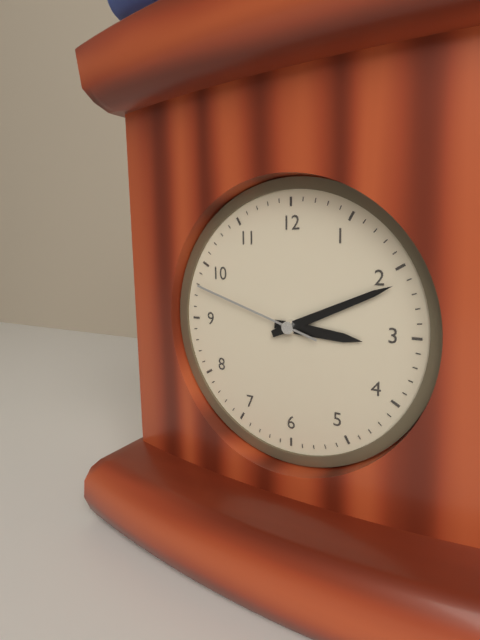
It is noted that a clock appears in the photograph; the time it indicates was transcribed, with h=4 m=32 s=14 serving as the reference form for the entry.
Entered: h=3 m=11 s=48
